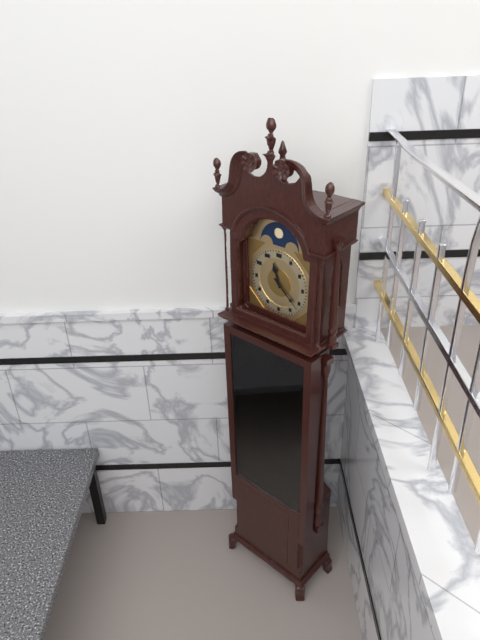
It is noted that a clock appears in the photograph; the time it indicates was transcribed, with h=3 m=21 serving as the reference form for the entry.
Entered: h=11 m=22
